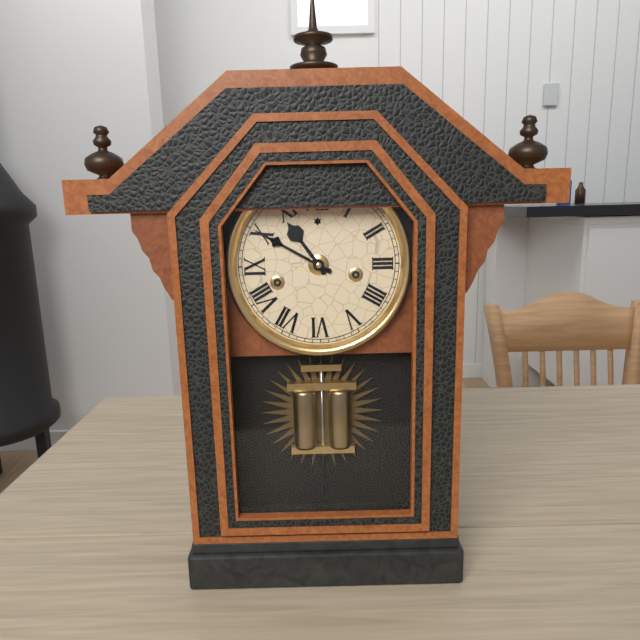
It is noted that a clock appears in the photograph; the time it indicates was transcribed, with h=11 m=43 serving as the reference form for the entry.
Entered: h=10 m=50
